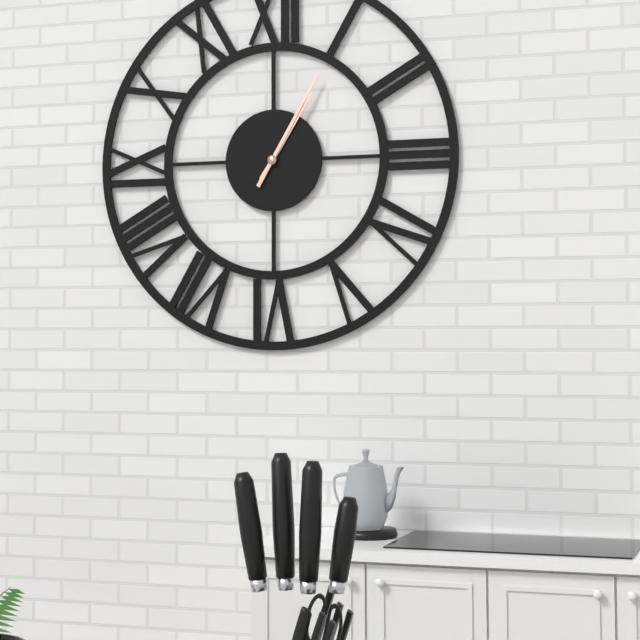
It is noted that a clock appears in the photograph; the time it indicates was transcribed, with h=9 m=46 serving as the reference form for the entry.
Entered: h=1 m=5
